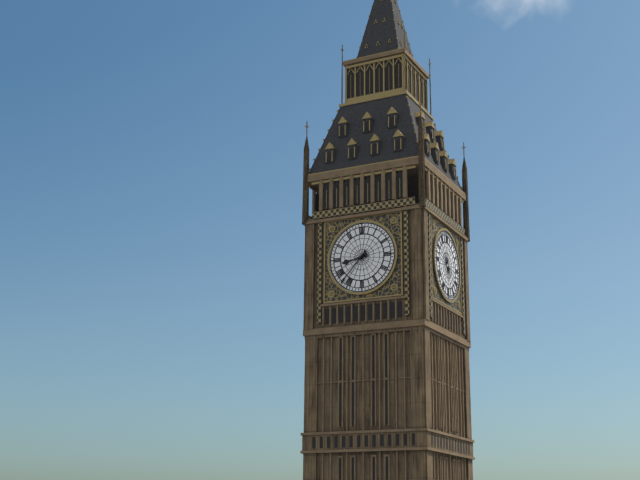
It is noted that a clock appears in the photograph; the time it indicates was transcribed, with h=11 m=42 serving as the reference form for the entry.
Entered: h=8 m=37
